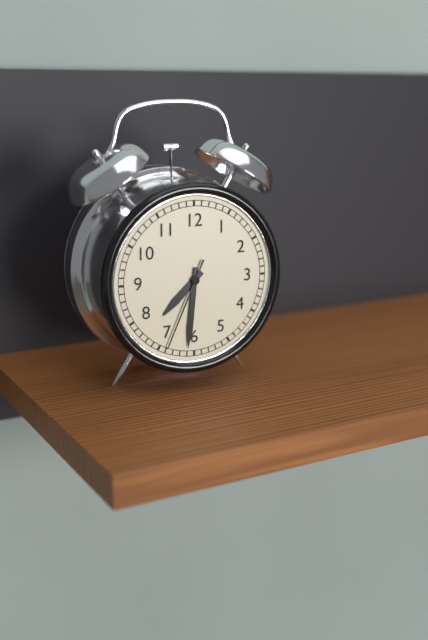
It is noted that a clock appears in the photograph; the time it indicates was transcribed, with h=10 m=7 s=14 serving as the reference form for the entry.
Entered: h=7 m=31 s=34
